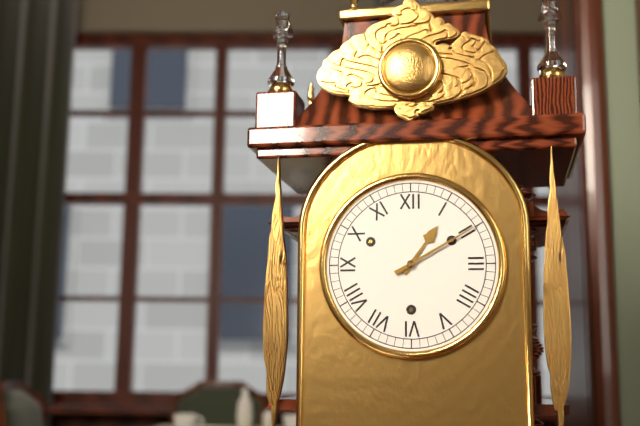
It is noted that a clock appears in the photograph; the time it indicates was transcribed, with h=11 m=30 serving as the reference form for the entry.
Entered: h=1 m=10
